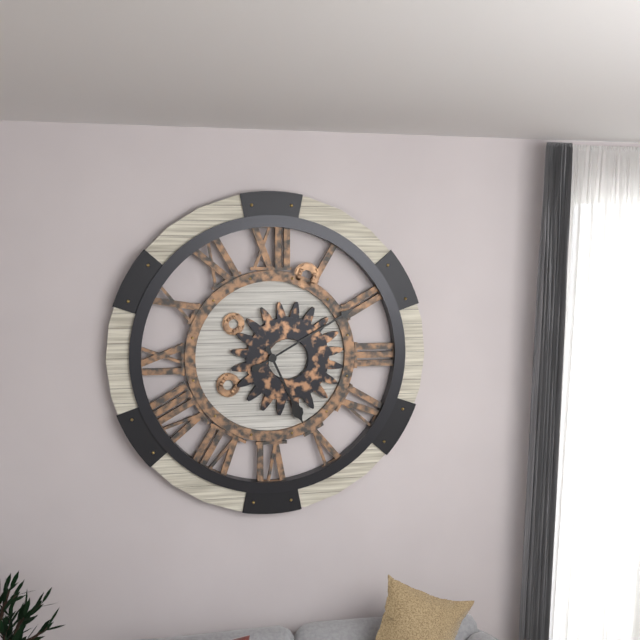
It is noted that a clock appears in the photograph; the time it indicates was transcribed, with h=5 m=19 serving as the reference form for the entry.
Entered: h=5 m=10
